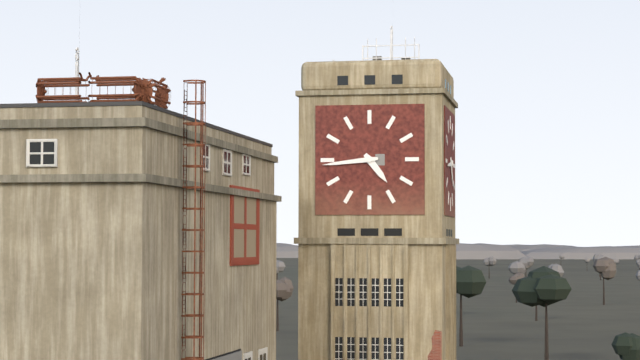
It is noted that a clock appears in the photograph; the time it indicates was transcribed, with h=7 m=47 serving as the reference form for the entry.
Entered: h=4 m=44
